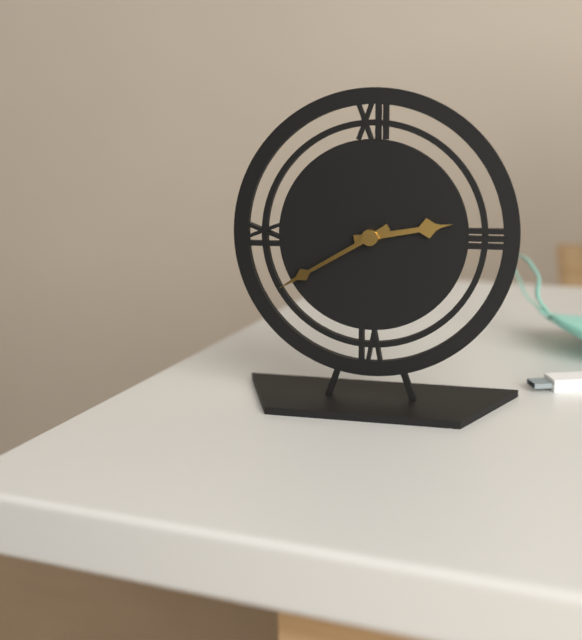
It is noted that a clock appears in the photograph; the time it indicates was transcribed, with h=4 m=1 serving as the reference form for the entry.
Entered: h=2 m=40
